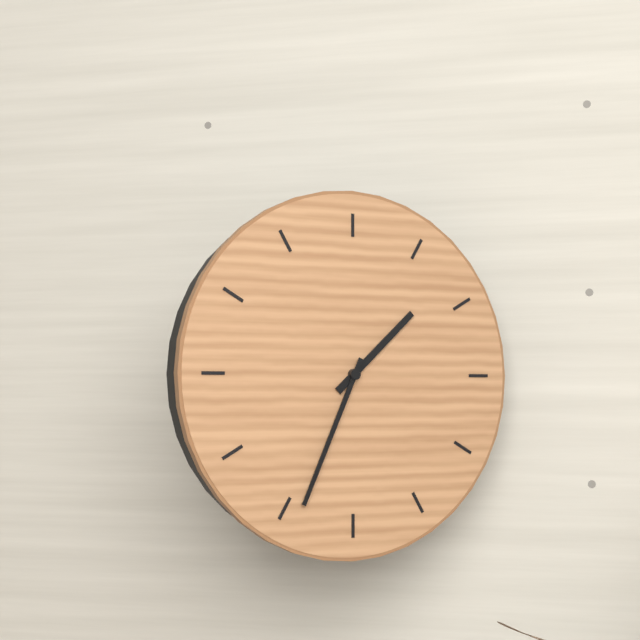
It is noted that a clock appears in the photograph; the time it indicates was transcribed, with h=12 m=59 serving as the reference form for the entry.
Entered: h=1 m=34
